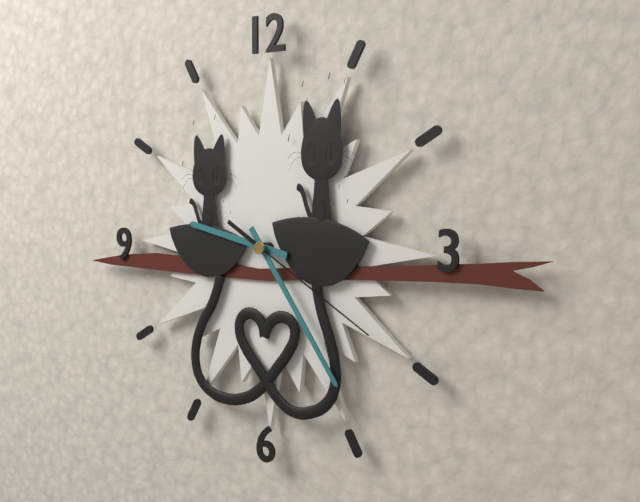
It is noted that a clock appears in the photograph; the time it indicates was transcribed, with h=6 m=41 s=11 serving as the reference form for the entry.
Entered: h=9 m=24 s=20
